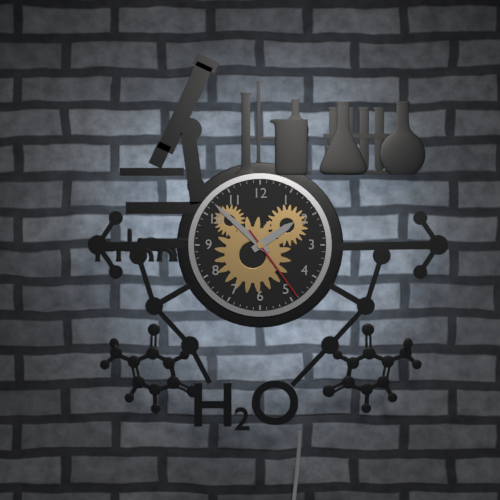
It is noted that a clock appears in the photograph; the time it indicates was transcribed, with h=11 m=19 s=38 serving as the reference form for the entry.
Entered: h=1 m=52 s=24
